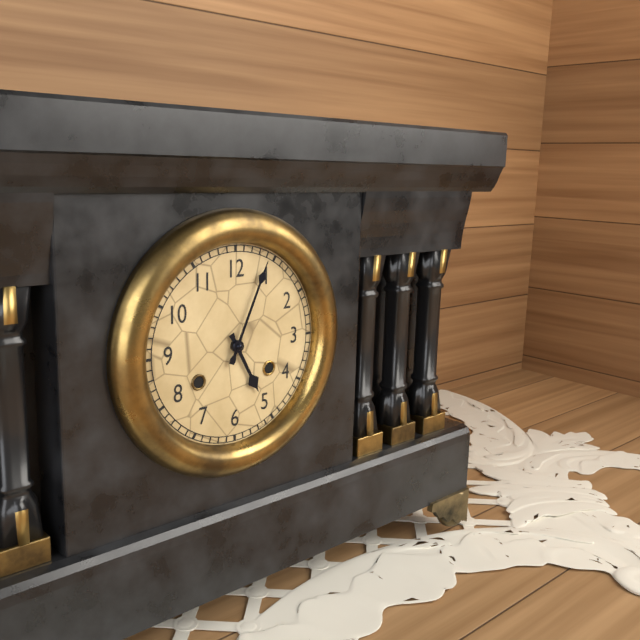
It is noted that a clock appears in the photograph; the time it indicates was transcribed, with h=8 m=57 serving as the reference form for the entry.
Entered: h=5 m=4
